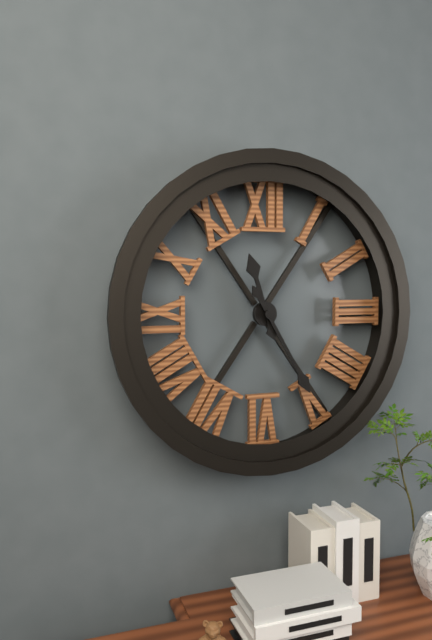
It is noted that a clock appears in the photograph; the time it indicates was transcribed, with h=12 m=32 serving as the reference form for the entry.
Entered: h=11 m=25
